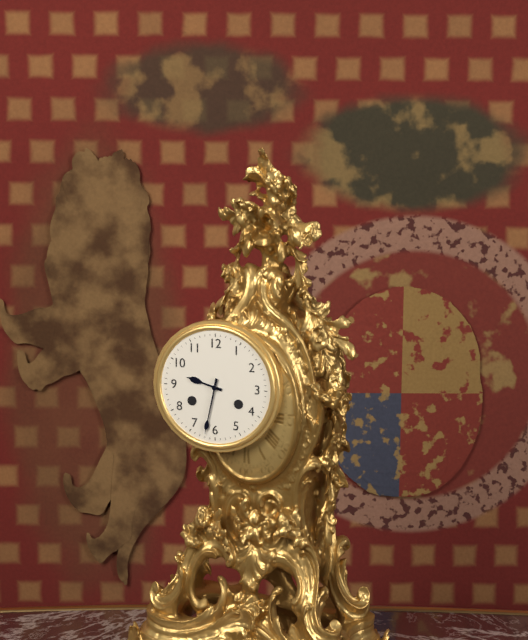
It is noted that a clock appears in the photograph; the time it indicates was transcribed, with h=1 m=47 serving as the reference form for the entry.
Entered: h=9 m=32
